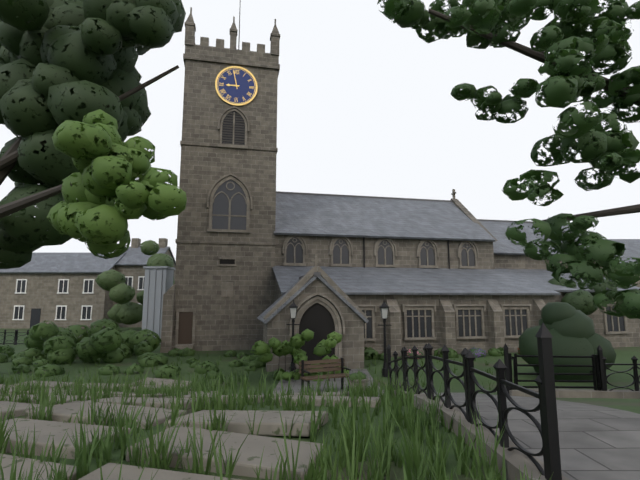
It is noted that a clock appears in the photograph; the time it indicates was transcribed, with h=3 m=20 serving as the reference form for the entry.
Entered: h=8 m=58
